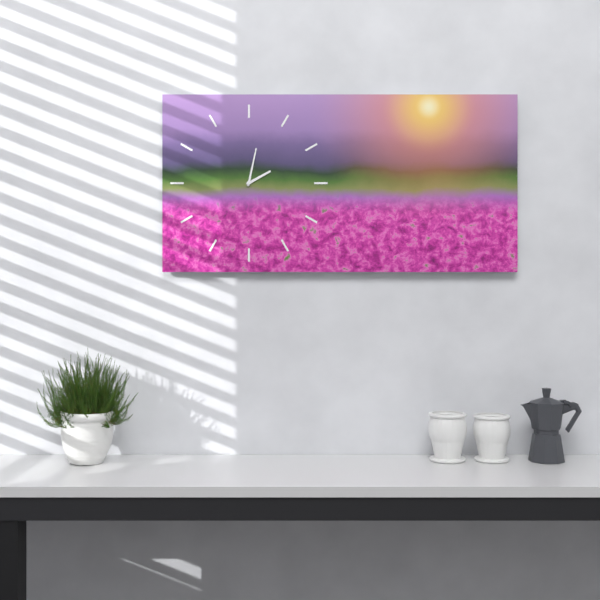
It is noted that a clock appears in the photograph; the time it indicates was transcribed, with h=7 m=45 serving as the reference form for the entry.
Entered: h=2 m=2
